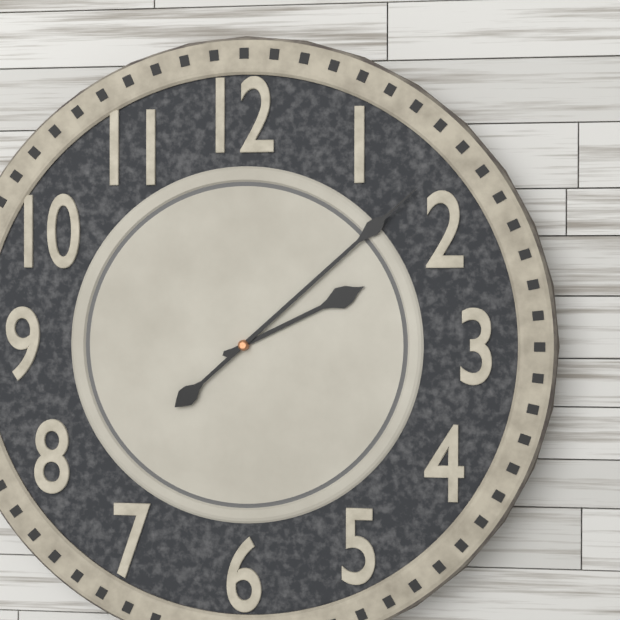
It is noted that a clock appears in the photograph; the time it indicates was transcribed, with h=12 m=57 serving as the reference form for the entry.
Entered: h=2 m=8
